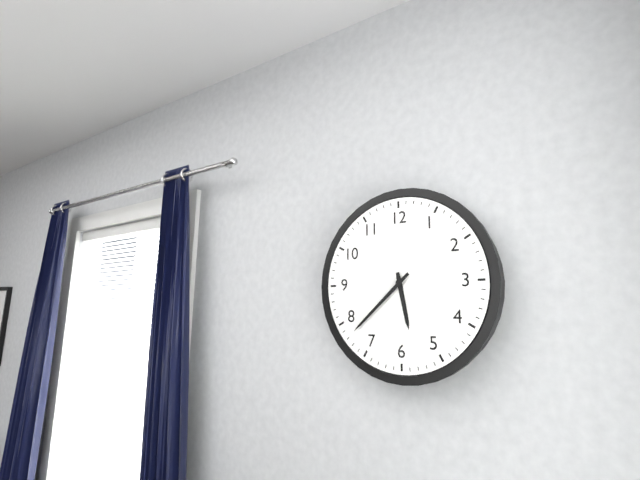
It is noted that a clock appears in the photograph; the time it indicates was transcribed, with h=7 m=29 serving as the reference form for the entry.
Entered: h=5 m=38
